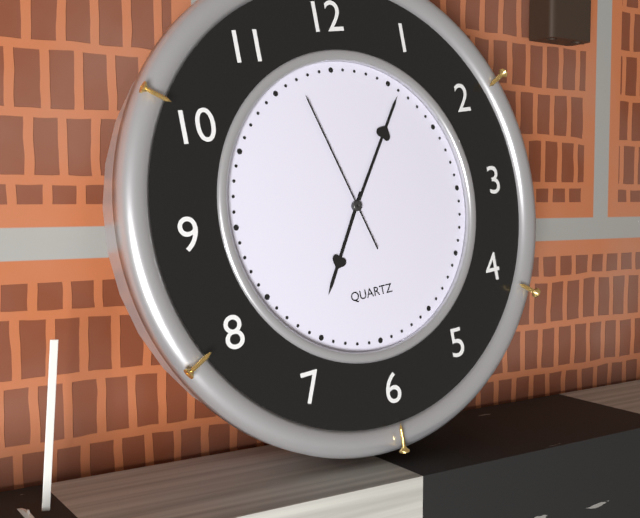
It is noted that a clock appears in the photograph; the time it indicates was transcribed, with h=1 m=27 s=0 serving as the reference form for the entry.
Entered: h=7 m=6 s=57
